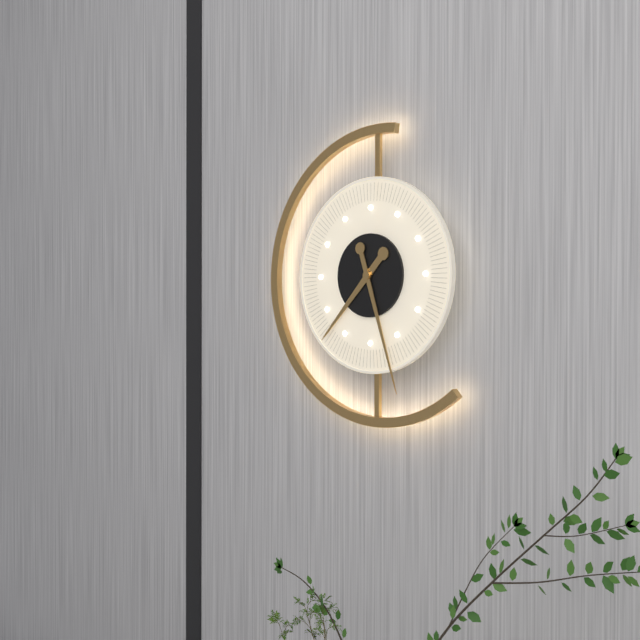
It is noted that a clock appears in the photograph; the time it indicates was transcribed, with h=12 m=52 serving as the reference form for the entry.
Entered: h=7 m=27
